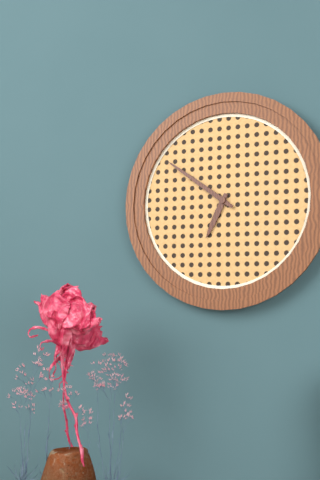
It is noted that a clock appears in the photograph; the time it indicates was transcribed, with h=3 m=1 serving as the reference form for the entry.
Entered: h=6 m=51
